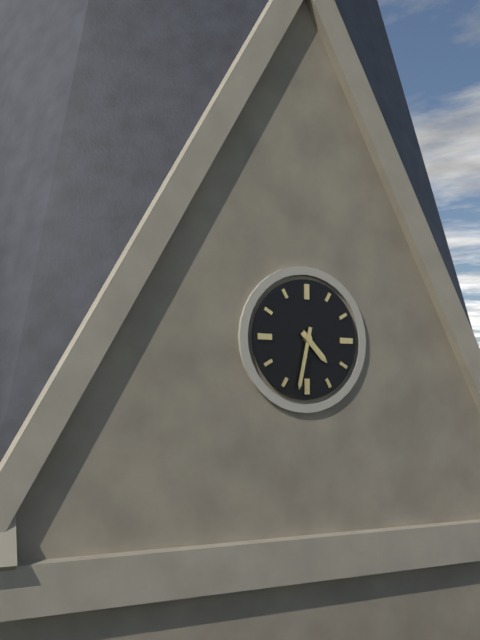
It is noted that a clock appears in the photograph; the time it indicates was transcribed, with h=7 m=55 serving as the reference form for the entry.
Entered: h=4 m=32
